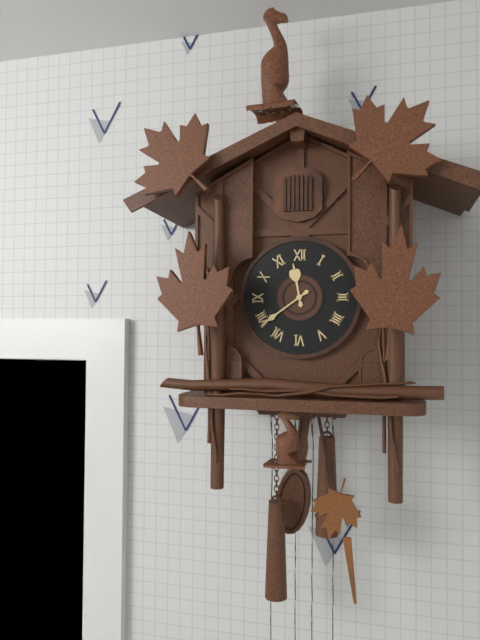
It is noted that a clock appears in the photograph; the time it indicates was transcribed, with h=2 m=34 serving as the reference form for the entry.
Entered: h=11 m=39
